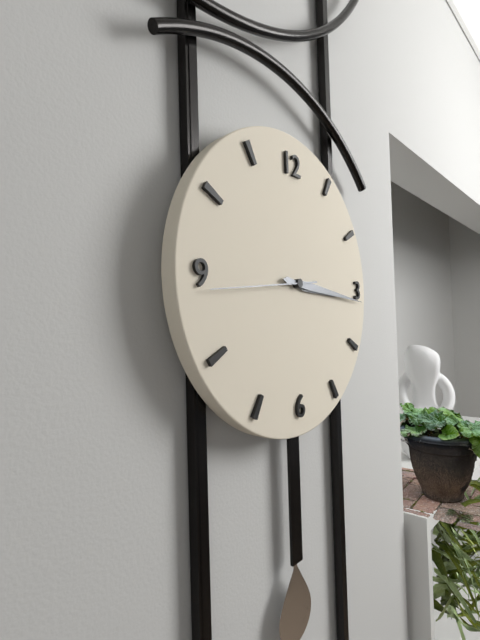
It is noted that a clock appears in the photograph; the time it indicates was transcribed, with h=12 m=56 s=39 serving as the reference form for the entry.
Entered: h=3 m=16 s=44
